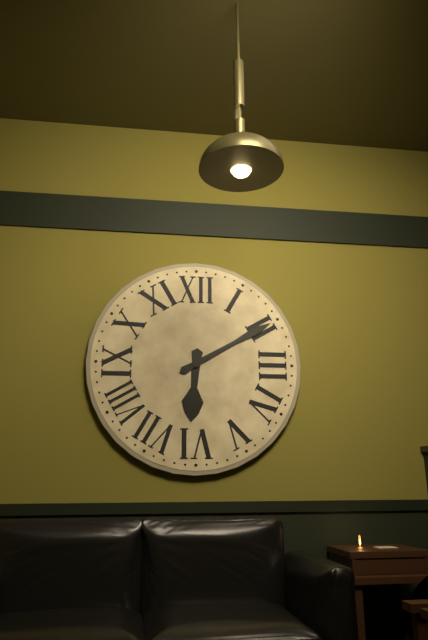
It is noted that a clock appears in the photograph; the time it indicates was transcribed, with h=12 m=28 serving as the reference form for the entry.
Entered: h=6 m=10
